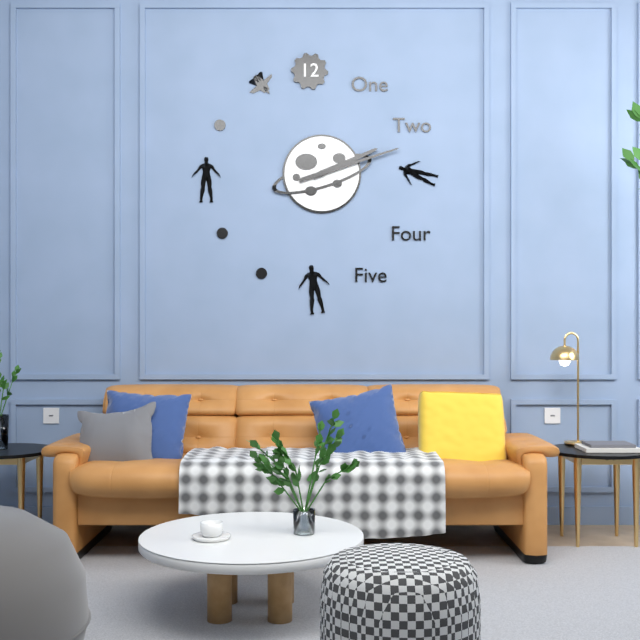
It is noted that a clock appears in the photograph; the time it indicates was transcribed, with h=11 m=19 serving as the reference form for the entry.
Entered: h=2 m=12
